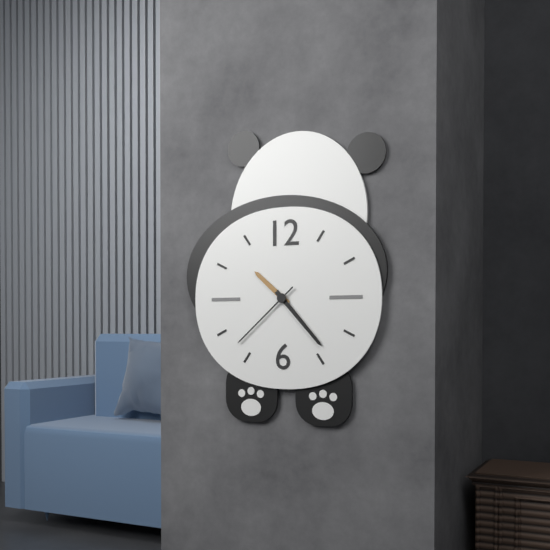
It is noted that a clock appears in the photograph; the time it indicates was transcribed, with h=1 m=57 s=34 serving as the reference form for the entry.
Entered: h=10 m=23 s=38
